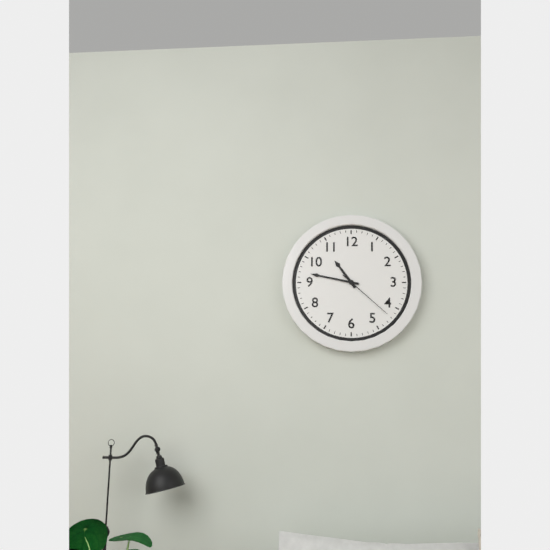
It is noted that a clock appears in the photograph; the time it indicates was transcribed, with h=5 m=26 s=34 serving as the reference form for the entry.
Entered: h=10 m=47 s=22
